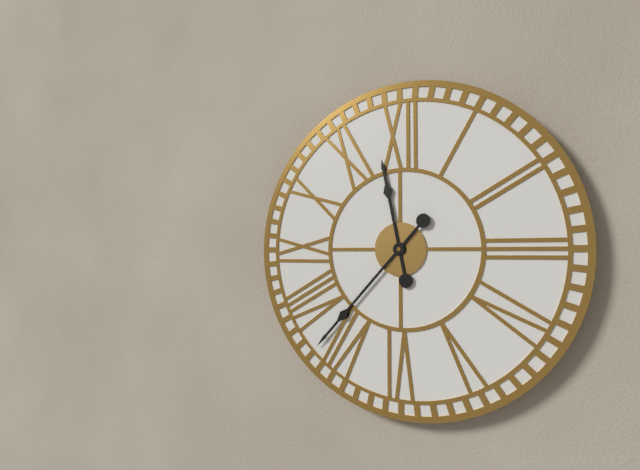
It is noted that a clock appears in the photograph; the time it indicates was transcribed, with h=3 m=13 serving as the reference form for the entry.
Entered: h=11 m=37
